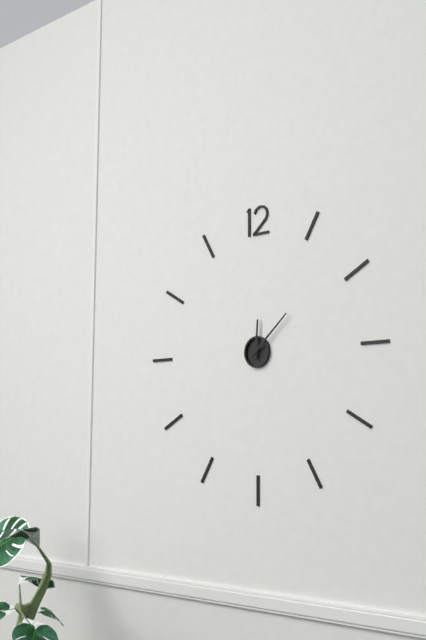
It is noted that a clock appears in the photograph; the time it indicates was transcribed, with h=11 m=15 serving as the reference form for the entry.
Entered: h=12 m=8
